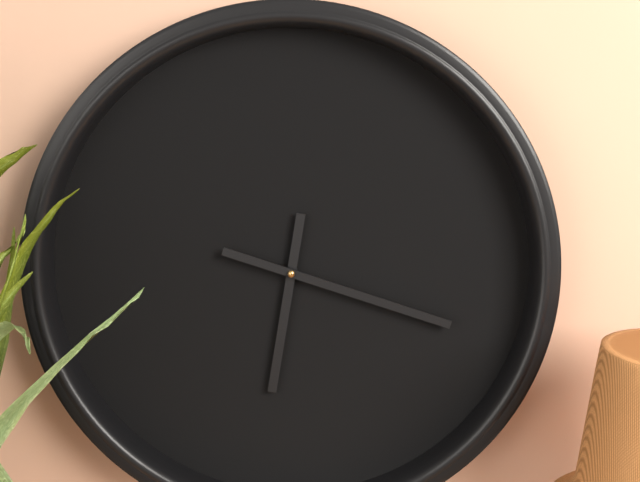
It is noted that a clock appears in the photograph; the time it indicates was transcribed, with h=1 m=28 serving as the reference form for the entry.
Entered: h=6 m=18
